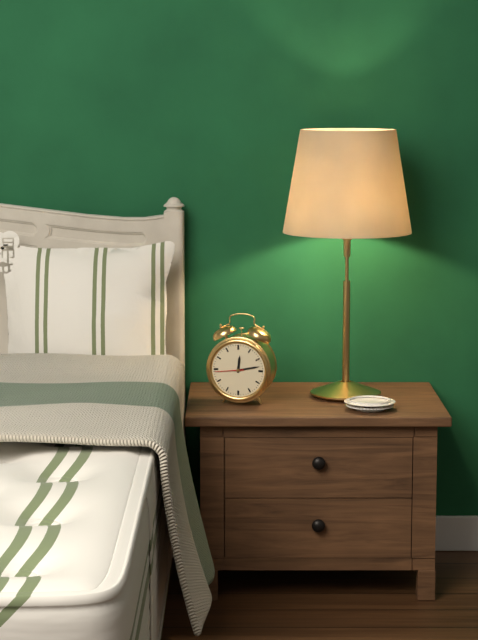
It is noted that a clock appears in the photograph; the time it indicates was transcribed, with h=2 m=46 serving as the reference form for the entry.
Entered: h=12 m=13
